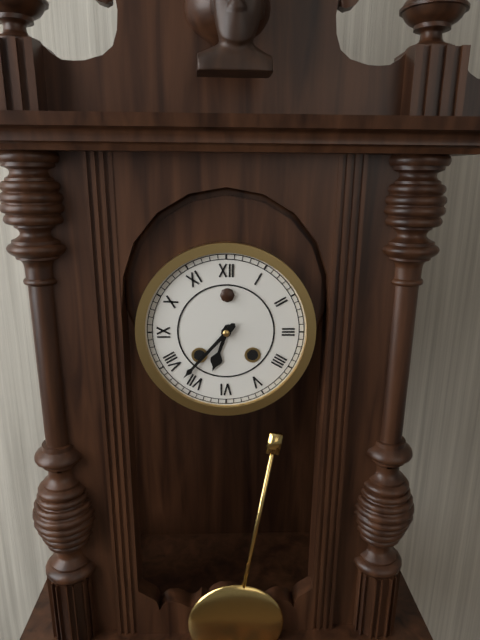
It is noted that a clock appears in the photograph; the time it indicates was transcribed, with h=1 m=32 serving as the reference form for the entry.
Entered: h=6 m=37
